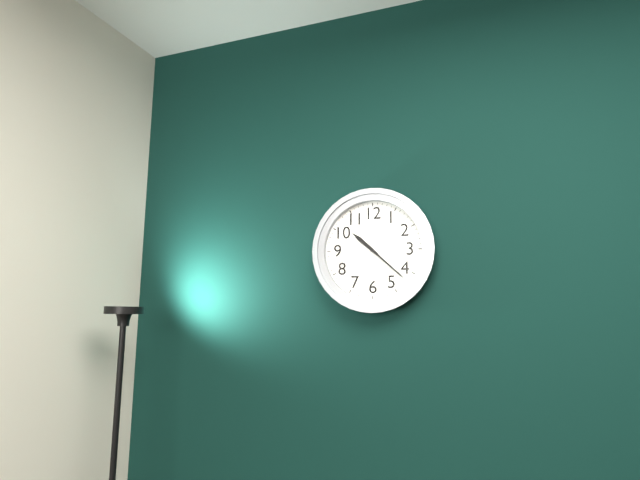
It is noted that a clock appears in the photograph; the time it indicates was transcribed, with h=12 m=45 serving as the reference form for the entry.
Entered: h=10 m=22
